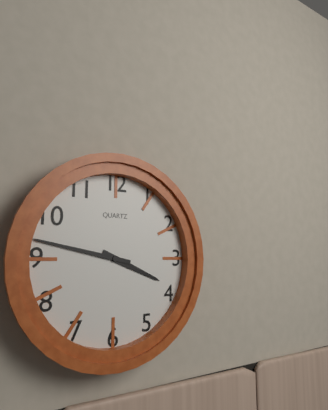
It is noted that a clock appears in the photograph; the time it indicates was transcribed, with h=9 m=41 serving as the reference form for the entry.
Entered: h=3 m=47
